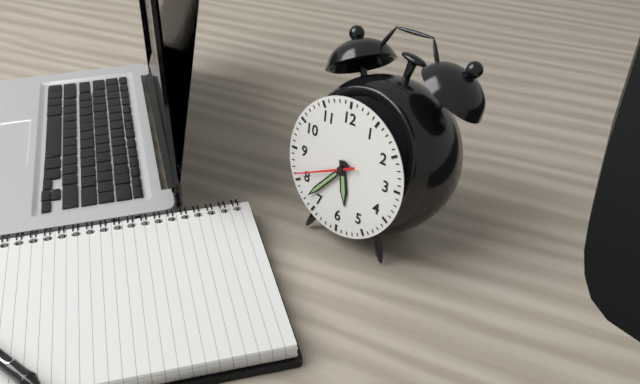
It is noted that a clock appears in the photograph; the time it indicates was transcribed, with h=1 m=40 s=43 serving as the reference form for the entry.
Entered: h=5 m=37 s=41
